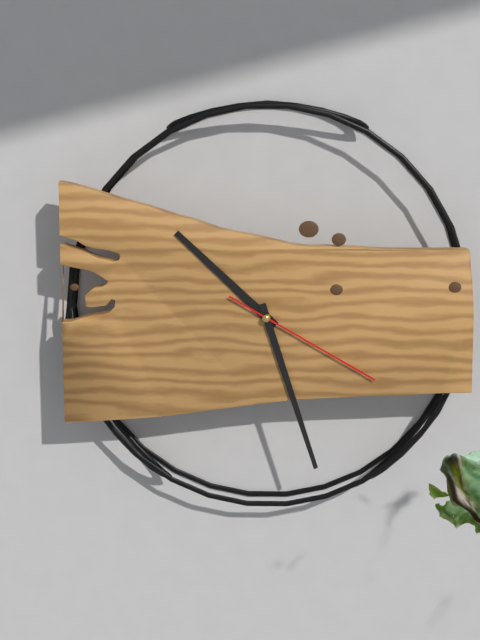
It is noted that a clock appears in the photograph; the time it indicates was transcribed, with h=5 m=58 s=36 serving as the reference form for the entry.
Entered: h=10 m=27 s=20
